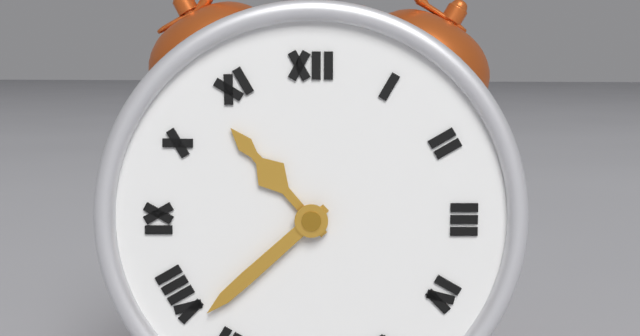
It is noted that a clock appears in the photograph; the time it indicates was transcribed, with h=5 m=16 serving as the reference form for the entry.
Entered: h=10 m=38
